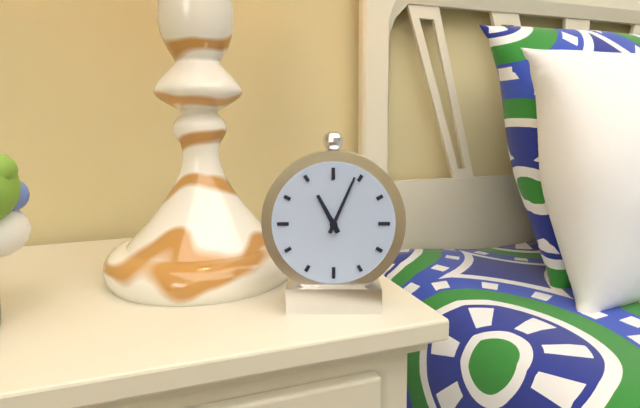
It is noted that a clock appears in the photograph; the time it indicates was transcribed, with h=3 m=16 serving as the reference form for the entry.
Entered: h=11 m=4
